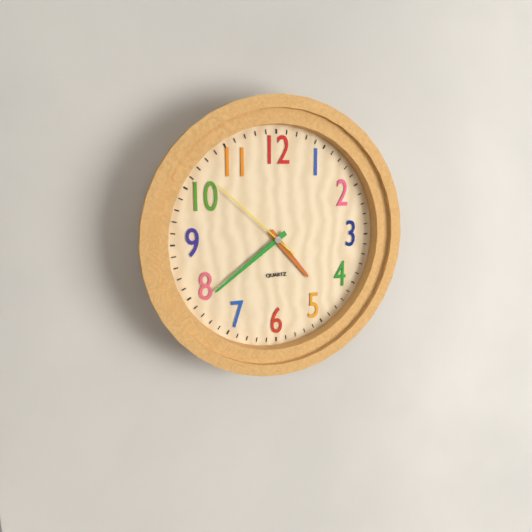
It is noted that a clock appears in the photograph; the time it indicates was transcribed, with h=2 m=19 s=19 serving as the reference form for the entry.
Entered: h=4 m=39 s=52
